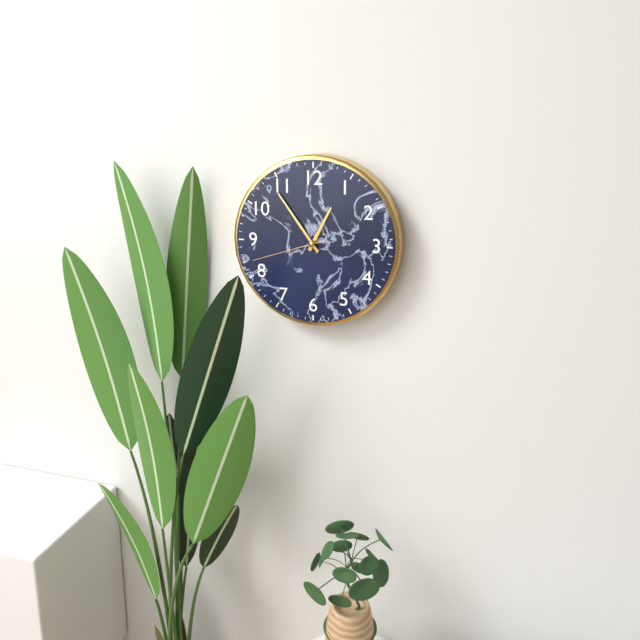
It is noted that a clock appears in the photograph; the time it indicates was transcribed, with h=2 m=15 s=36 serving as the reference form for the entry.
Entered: h=12 m=54 s=42
